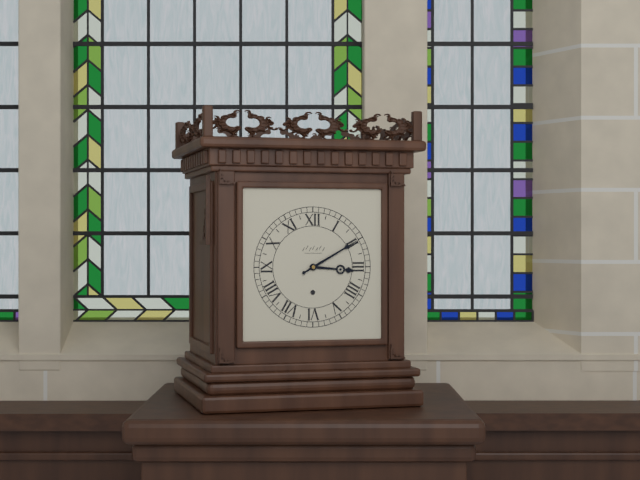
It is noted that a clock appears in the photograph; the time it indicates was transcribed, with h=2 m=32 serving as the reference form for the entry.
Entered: h=3 m=10
